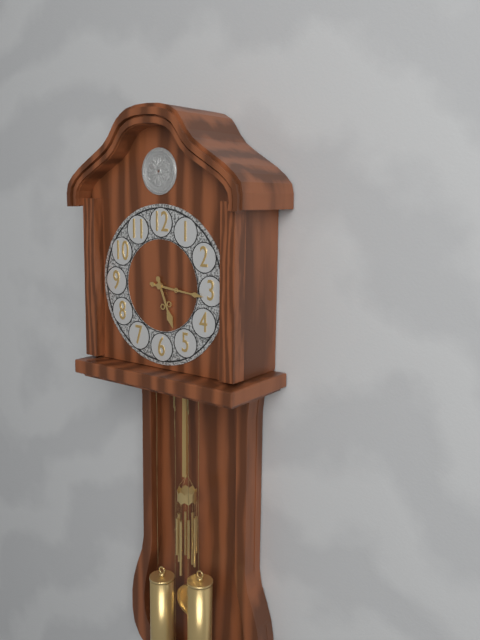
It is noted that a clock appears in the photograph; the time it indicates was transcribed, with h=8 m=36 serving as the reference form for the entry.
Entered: h=5 m=16
